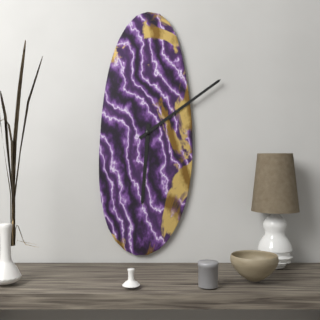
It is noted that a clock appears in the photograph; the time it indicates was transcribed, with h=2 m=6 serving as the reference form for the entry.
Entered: h=6 m=9
